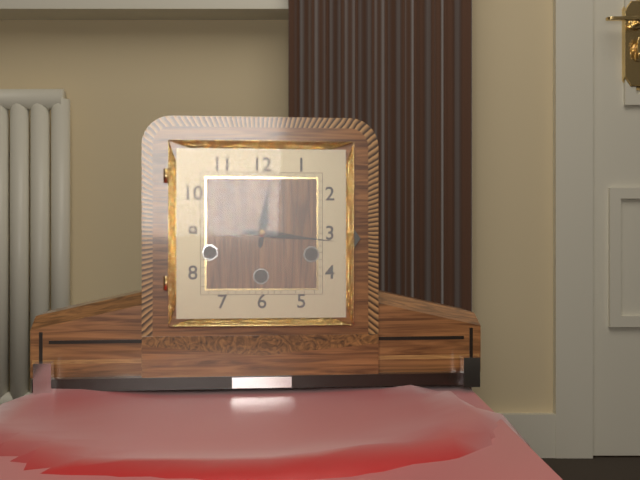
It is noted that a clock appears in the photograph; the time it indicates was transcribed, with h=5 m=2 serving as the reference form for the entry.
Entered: h=12 m=16
